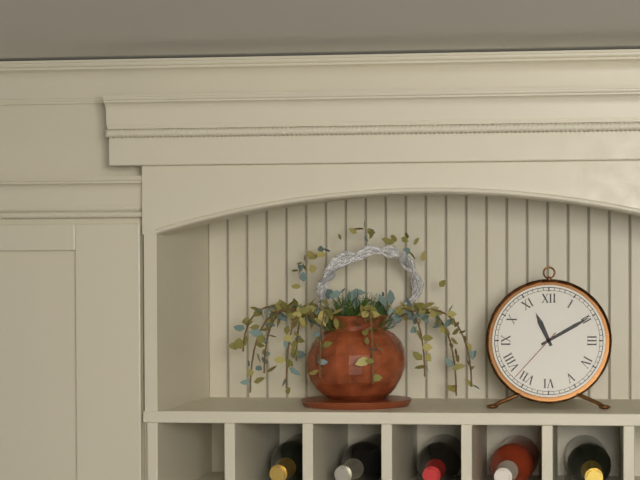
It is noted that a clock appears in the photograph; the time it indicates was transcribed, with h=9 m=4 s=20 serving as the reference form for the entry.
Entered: h=11 m=10 s=37
